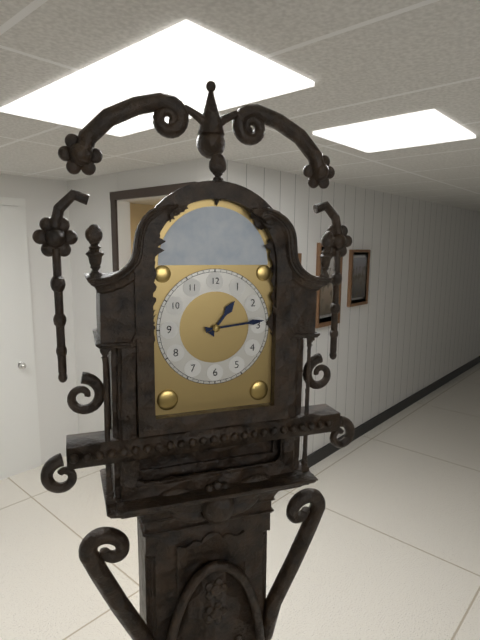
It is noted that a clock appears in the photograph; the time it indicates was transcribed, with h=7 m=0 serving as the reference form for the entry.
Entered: h=1 m=14
